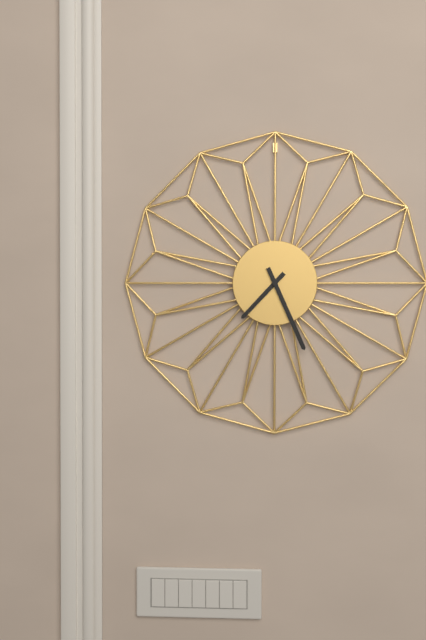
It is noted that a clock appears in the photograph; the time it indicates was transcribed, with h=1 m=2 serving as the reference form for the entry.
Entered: h=7 m=26
